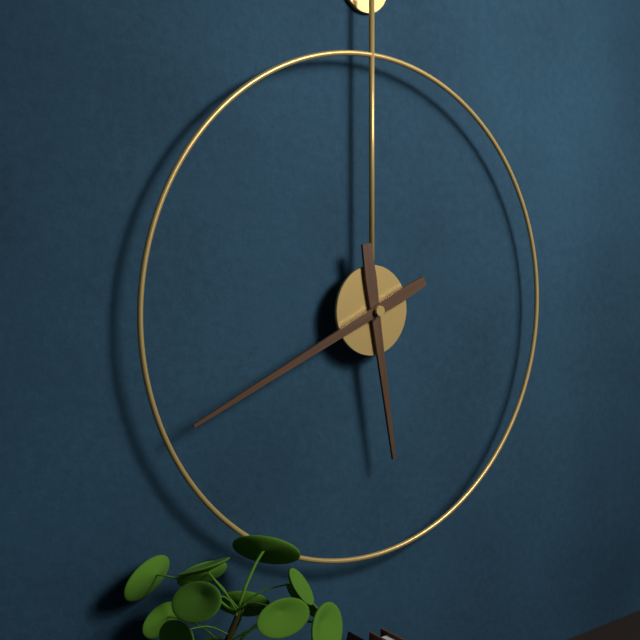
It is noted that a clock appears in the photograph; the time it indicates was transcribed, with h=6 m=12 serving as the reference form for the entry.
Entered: h=5 m=41
